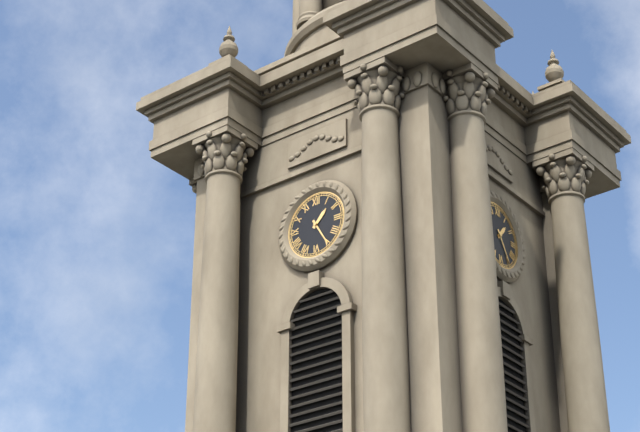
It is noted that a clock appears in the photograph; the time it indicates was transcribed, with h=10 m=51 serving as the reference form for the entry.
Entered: h=1 m=25
